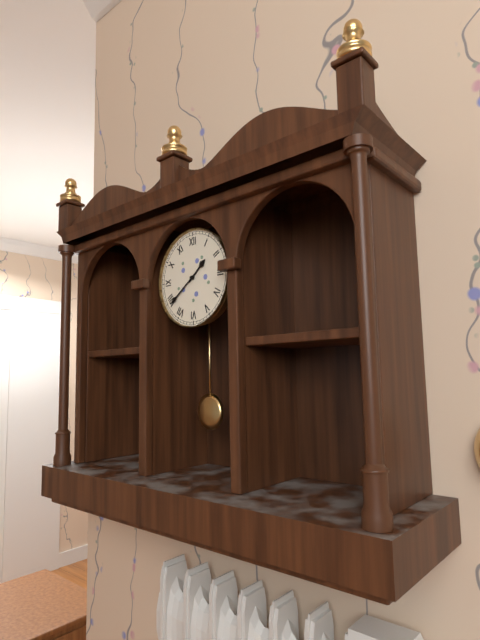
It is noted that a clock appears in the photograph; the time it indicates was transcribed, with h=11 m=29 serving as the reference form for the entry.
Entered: h=1 m=39
